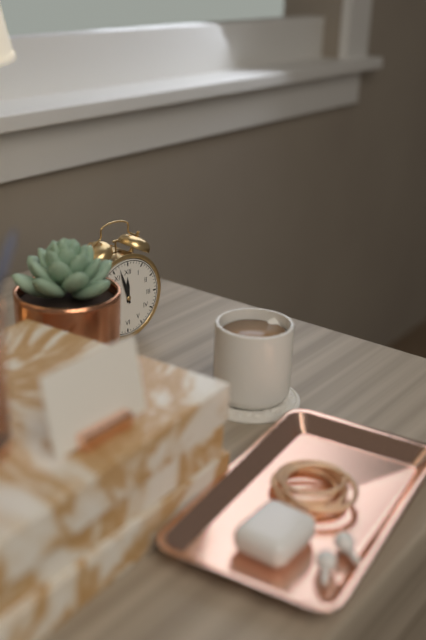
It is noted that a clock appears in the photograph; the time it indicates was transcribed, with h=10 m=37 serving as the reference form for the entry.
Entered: h=11 m=57
